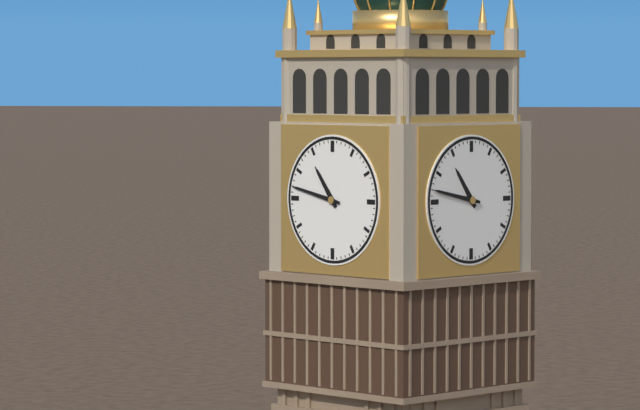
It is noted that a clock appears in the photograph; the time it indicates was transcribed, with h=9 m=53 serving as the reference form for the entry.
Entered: h=10 m=47
